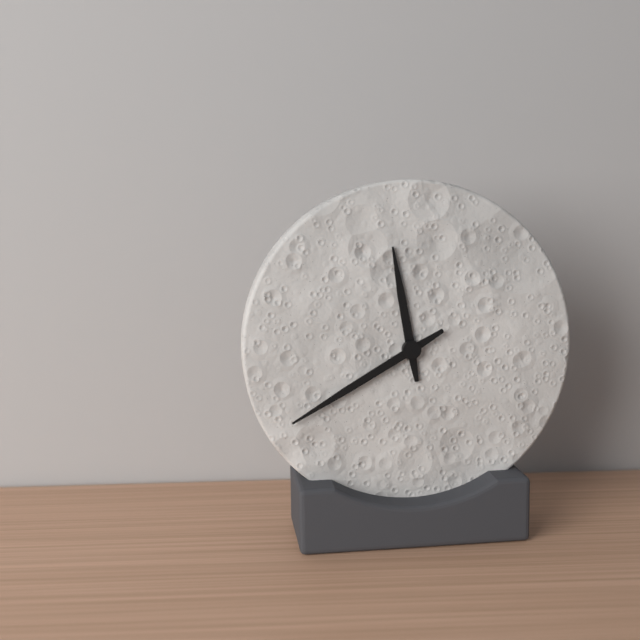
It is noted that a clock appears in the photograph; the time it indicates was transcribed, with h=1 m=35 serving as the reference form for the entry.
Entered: h=11 m=40
